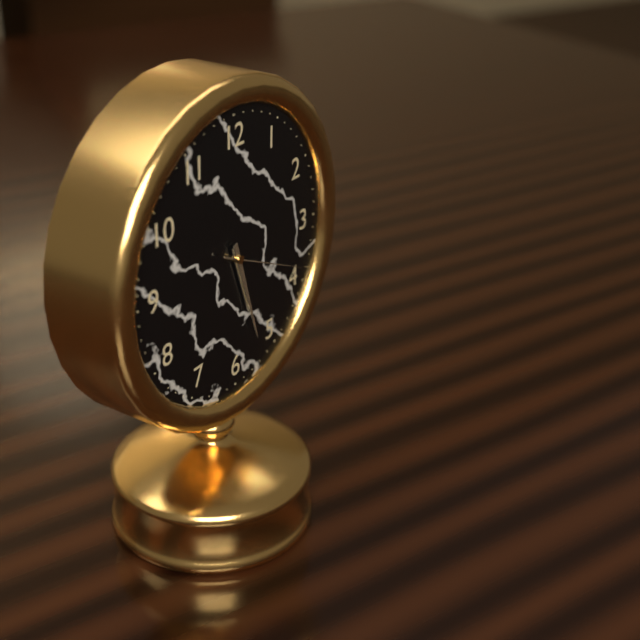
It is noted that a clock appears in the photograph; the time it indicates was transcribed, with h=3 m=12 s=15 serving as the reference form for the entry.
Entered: h=5 m=27 s=19
